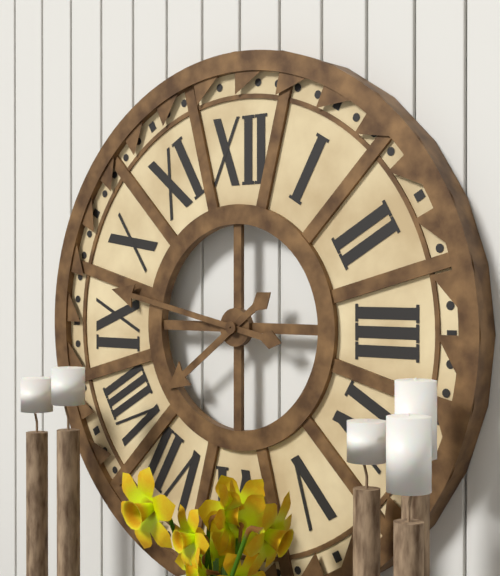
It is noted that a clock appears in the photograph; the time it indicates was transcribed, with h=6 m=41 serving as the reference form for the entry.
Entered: h=7 m=47
